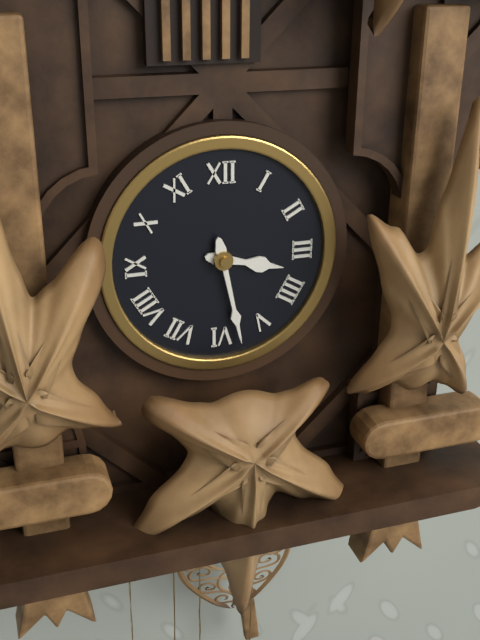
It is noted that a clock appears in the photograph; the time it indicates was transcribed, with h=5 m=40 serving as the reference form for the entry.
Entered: h=3 m=28
